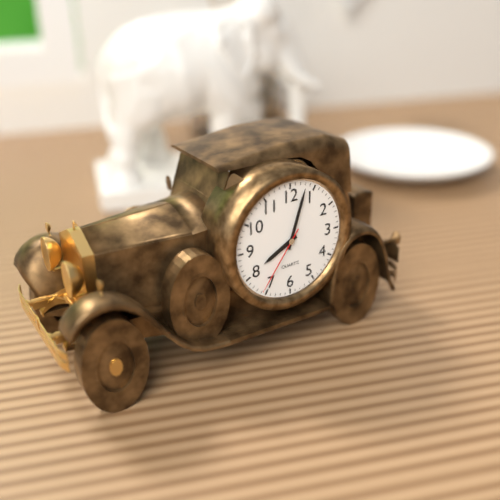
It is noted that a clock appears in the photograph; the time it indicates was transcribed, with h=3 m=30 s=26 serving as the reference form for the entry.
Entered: h=8 m=3 s=36
